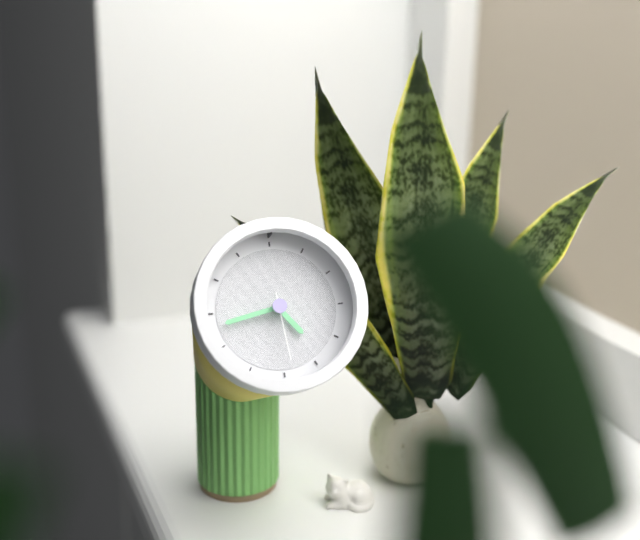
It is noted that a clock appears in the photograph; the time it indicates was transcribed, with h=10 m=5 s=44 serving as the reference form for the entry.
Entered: h=4 m=43 s=29
